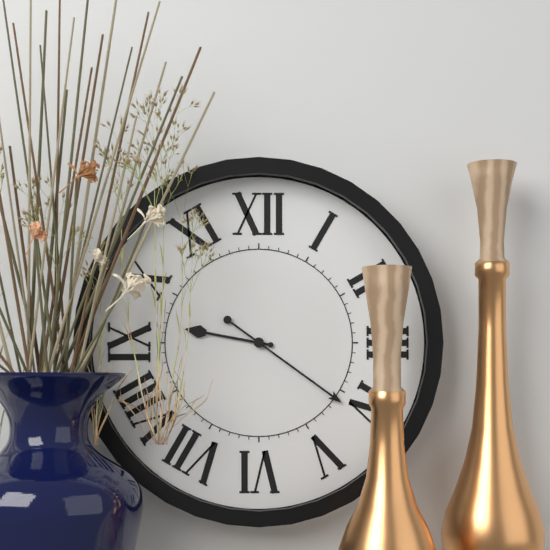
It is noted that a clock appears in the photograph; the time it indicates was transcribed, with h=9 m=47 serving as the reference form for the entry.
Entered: h=9 m=21
